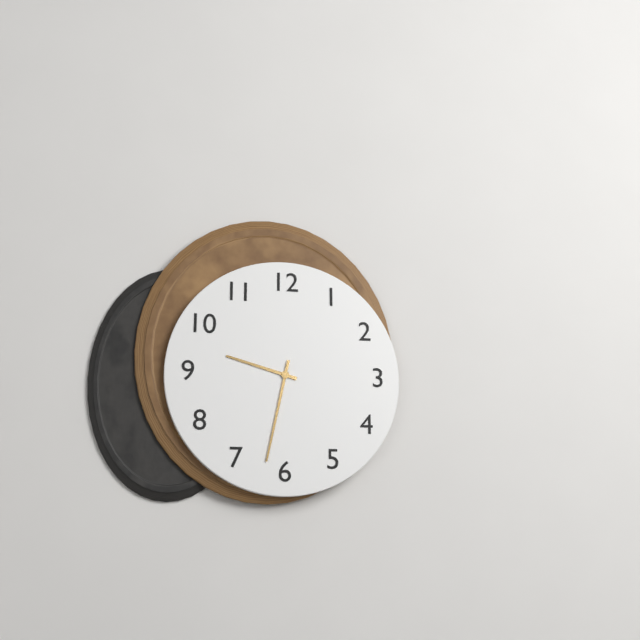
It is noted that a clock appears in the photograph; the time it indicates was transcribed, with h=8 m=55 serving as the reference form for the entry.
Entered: h=9 m=32
